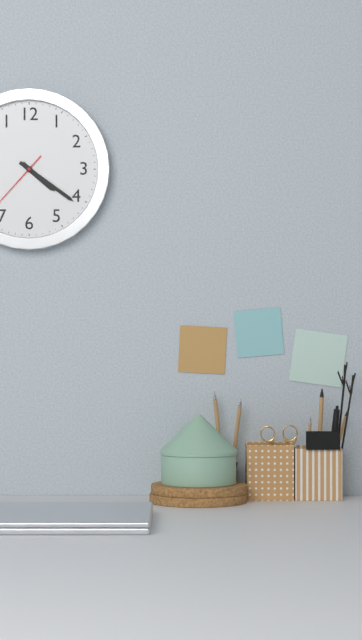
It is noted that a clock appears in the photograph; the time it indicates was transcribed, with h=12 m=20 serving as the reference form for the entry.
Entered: h=4 m=21
